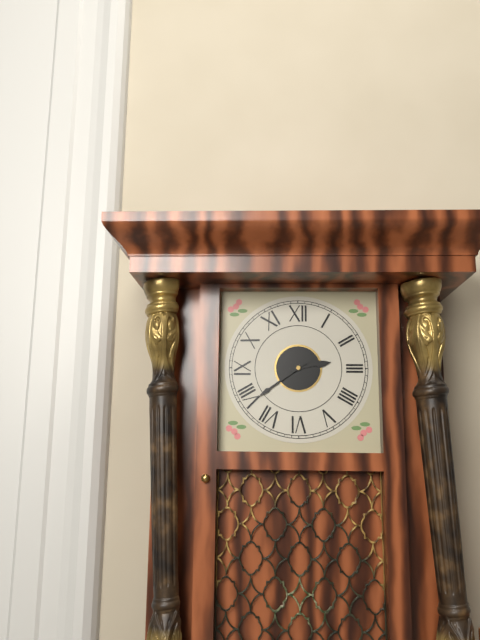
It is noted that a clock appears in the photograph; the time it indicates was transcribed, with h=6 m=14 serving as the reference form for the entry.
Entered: h=2 m=39
